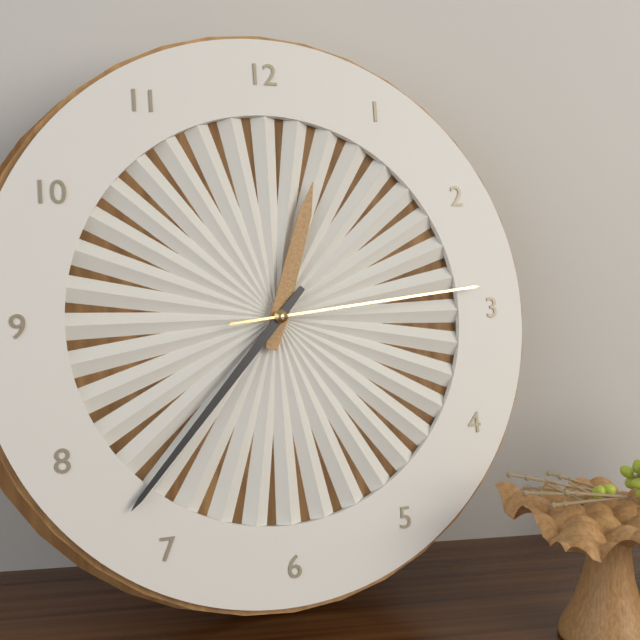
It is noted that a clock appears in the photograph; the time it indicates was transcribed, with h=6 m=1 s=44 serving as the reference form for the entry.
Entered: h=12 m=37 s=14
